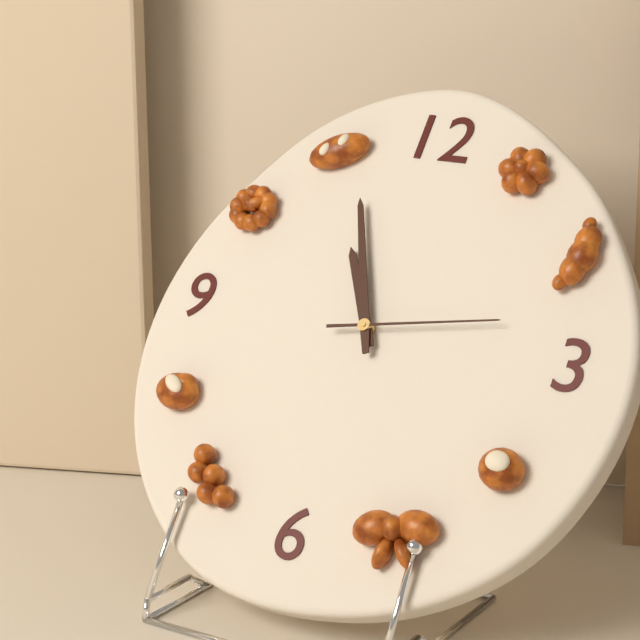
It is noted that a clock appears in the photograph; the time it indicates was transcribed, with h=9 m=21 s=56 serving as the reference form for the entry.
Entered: h=10 m=56 s=13
